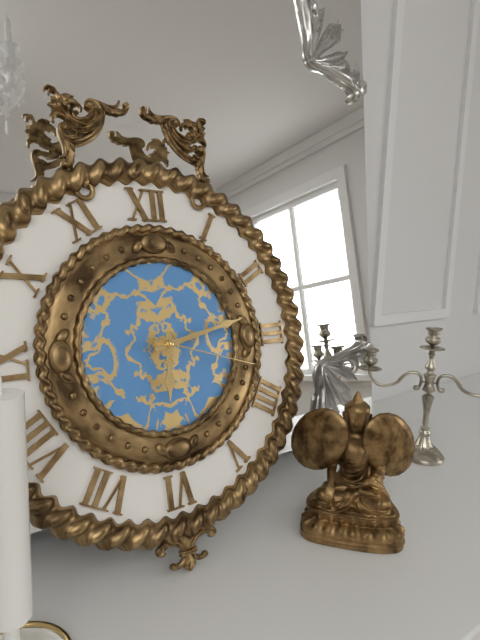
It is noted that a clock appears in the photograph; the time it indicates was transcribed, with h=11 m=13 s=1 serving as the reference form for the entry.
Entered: h=6 m=13 s=18
